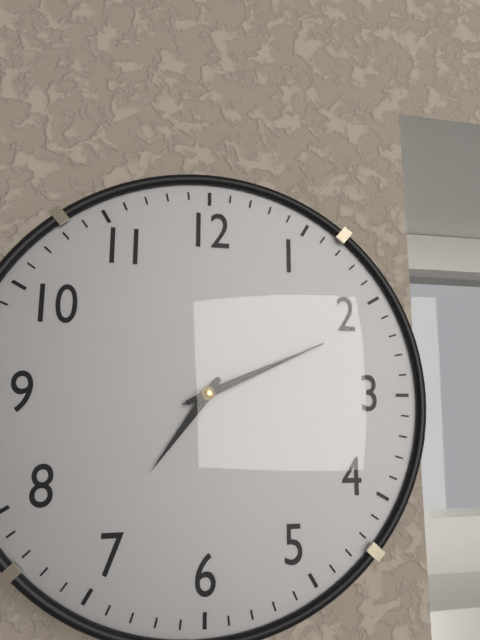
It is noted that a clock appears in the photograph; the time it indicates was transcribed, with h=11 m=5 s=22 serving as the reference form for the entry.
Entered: h=7 m=11 s=11
